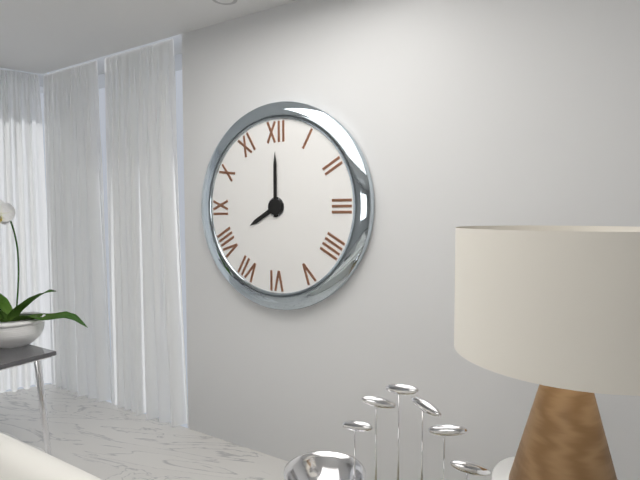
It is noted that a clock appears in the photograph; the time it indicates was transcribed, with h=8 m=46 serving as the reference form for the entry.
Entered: h=8 m=0
